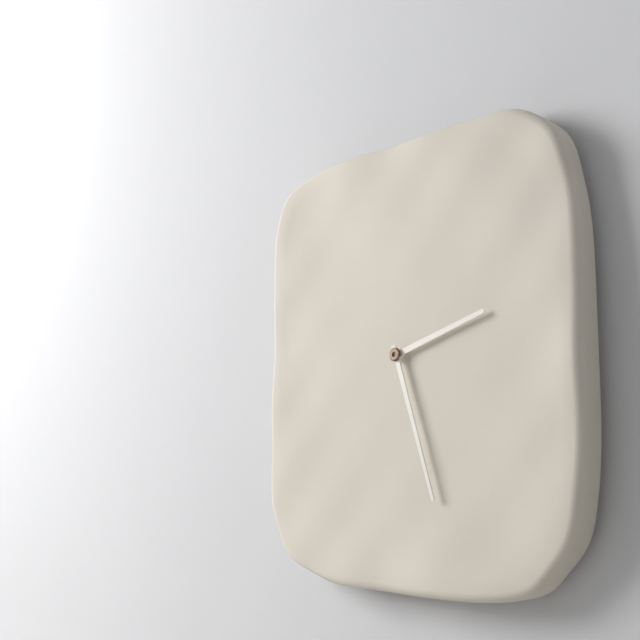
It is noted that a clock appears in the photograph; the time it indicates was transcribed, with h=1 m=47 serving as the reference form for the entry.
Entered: h=2 m=27
